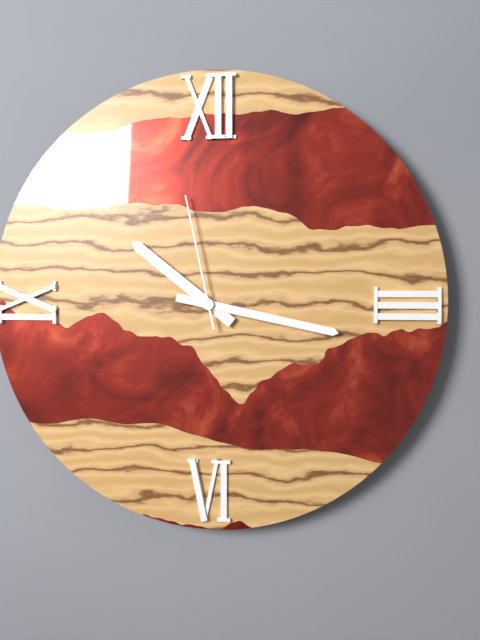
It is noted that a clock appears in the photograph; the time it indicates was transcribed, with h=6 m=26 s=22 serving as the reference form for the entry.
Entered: h=10 m=17 s=58
